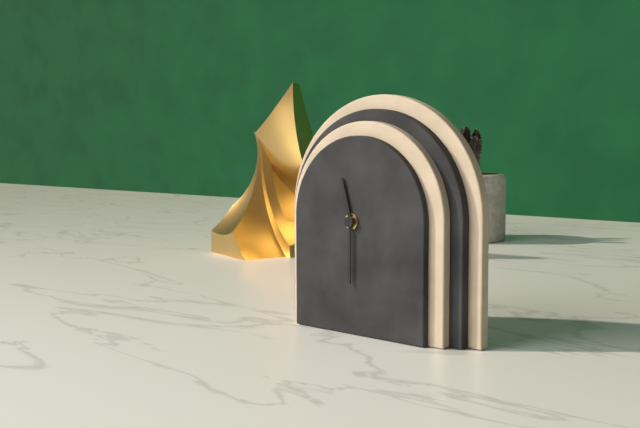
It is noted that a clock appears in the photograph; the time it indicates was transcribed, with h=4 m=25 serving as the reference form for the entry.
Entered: h=11 m=30
